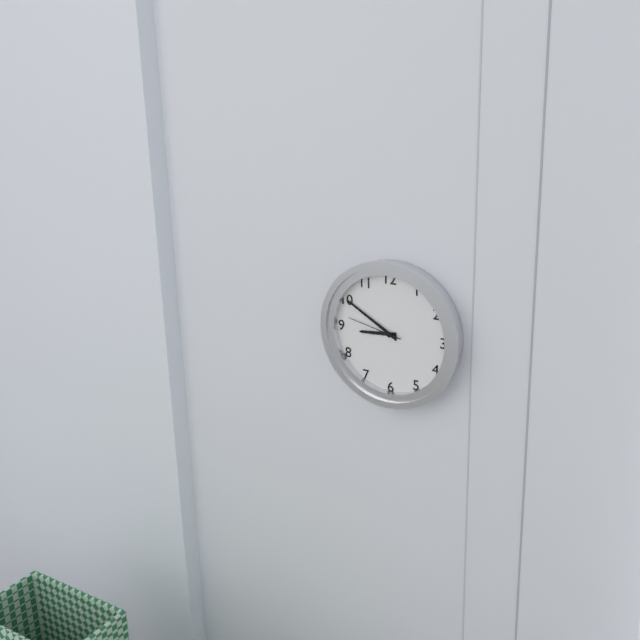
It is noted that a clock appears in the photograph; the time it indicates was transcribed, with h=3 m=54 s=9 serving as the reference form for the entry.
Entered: h=8 m=50 s=47
